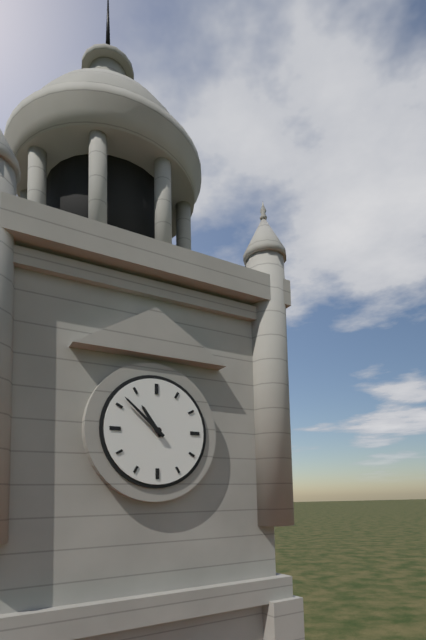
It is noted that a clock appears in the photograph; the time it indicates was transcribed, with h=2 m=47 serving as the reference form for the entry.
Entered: h=10 m=52
